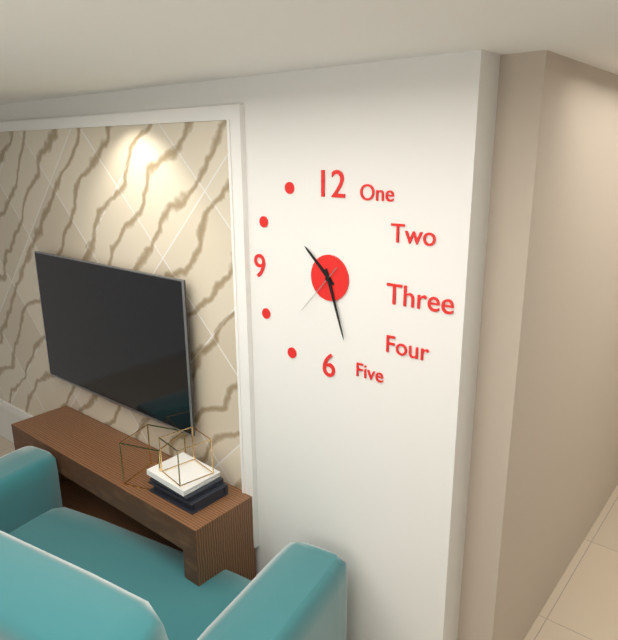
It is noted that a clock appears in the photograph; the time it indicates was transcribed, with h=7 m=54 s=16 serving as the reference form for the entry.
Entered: h=10 m=27 s=37
